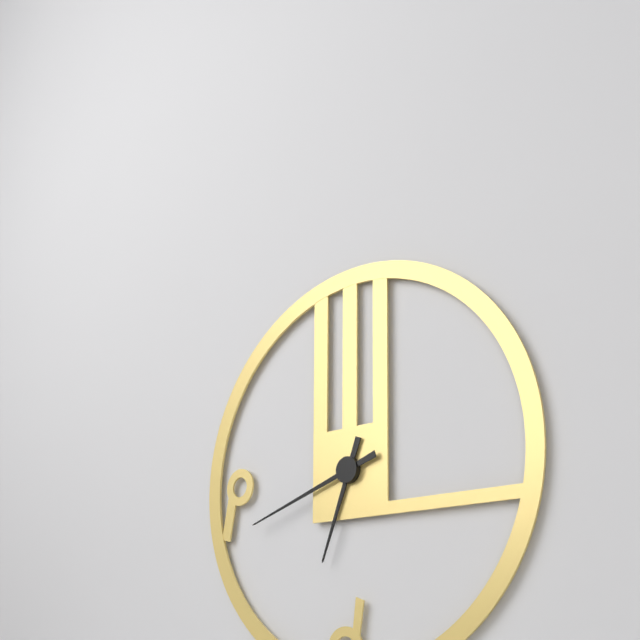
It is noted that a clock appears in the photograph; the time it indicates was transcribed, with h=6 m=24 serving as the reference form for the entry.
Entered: h=6 m=42
